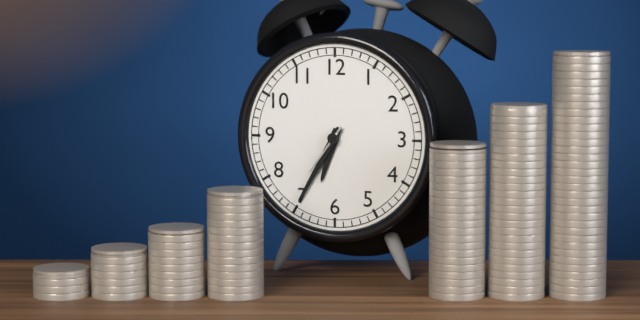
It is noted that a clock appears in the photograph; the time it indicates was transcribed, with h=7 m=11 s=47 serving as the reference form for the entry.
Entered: h=6 m=35 s=36
